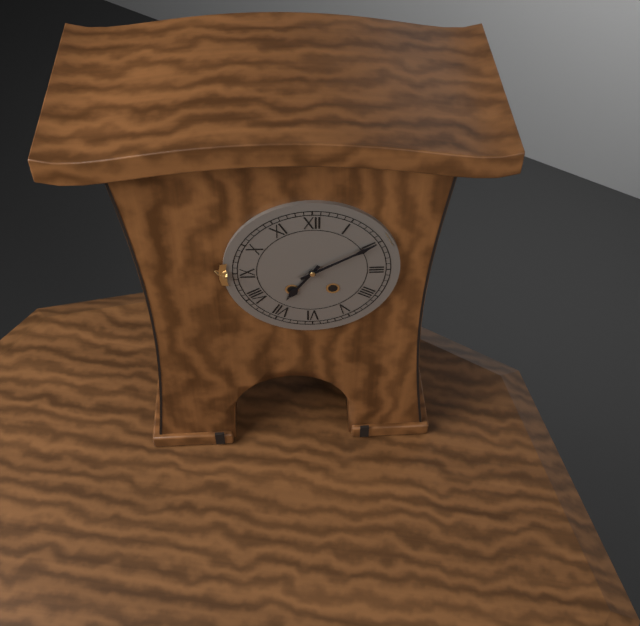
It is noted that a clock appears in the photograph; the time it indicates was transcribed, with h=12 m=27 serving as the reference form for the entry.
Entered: h=7 m=10
